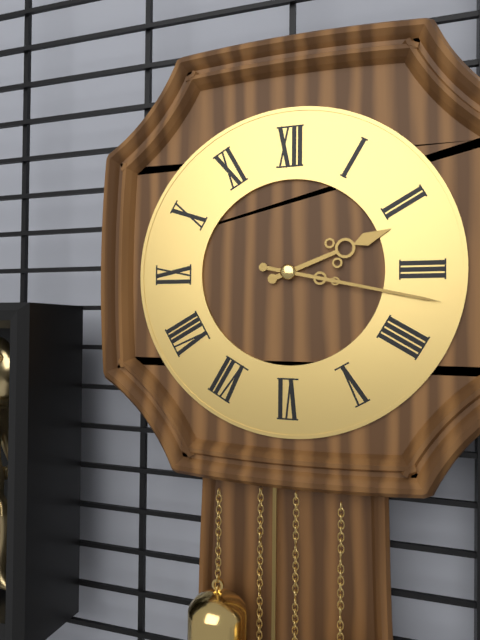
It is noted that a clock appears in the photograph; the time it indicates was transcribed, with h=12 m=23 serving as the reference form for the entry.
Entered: h=2 m=17
